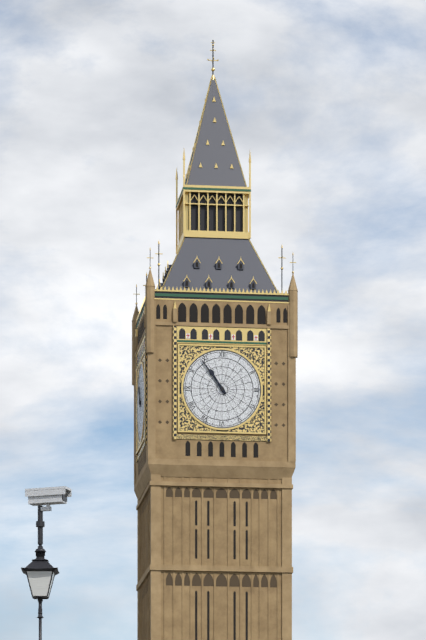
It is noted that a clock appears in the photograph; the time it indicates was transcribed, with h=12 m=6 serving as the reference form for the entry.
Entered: h=10 m=54
